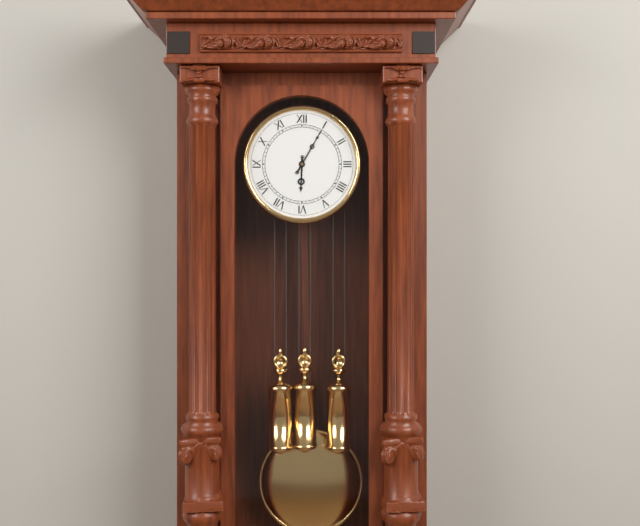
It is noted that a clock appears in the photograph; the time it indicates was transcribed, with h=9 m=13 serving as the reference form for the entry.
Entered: h=6 m=5
